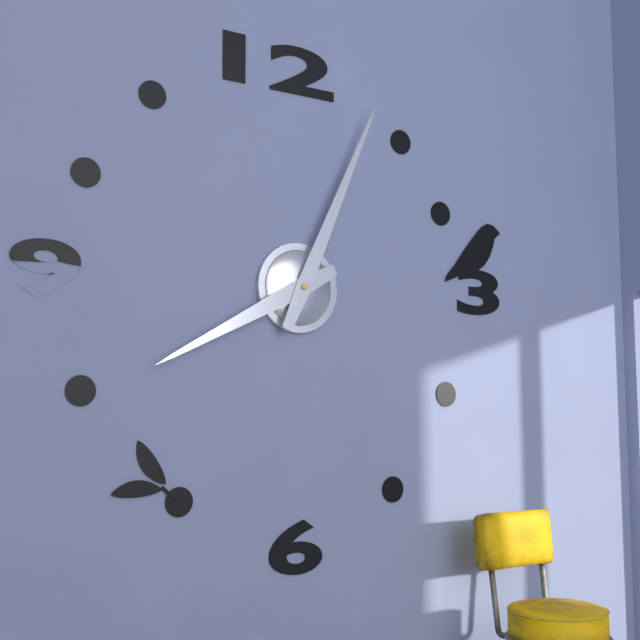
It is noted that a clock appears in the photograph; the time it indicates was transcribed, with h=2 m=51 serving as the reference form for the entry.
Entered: h=8 m=4
